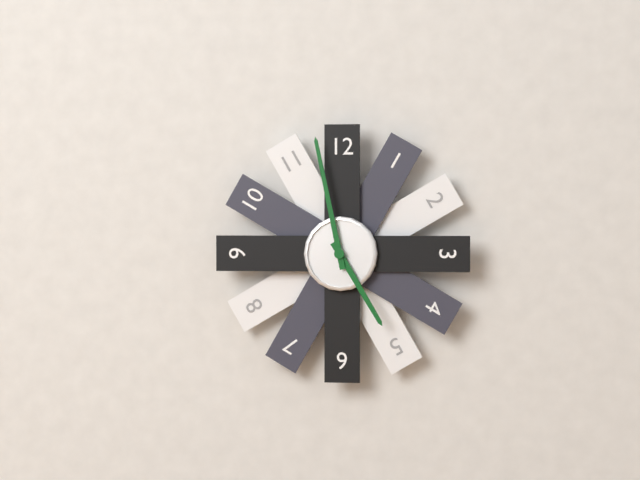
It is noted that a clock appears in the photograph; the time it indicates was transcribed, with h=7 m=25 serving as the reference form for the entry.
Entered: h=4 m=58
